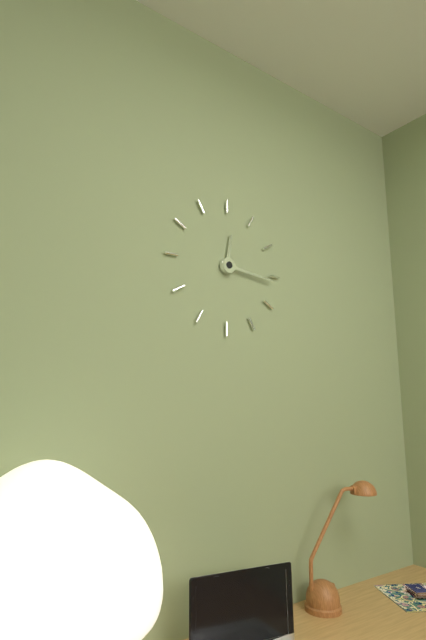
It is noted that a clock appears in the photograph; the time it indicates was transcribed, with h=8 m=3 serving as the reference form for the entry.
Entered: h=12 m=16
